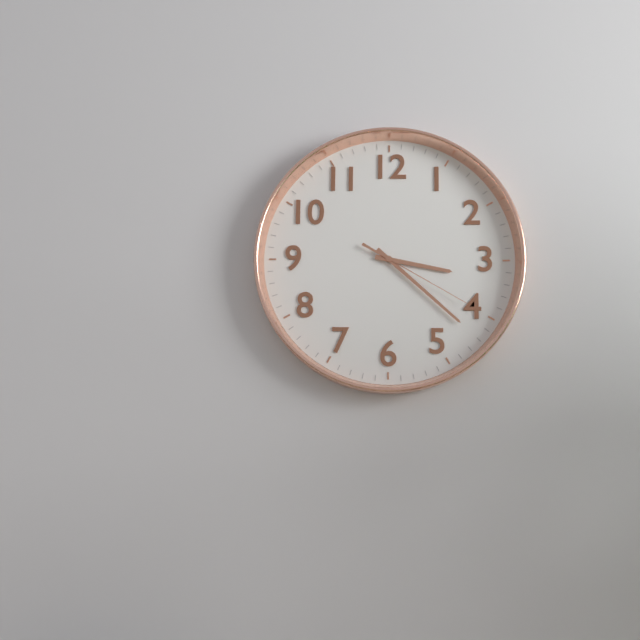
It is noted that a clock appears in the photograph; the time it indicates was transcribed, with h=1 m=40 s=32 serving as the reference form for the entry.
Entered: h=3 m=22 s=20
